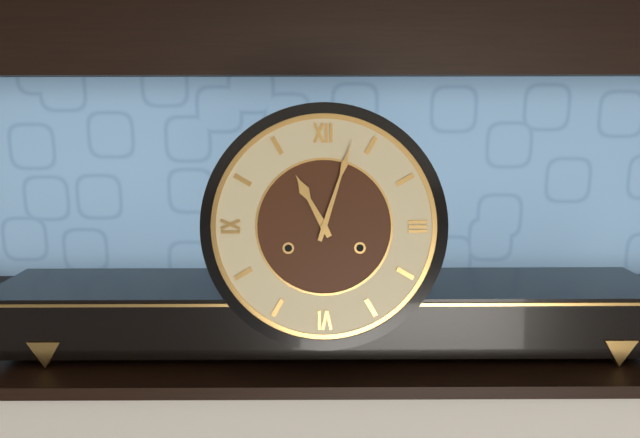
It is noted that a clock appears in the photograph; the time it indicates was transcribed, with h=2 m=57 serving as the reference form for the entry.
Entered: h=11 m=3
